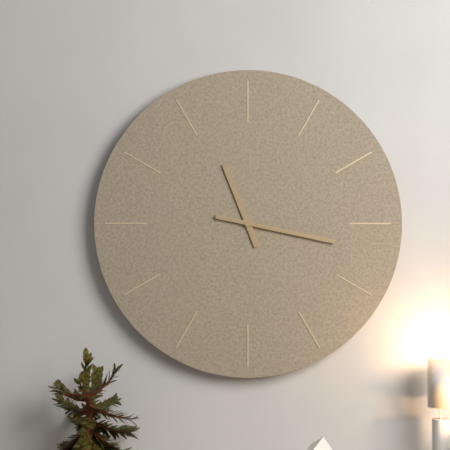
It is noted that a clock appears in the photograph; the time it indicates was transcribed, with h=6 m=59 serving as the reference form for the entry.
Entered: h=11 m=17
